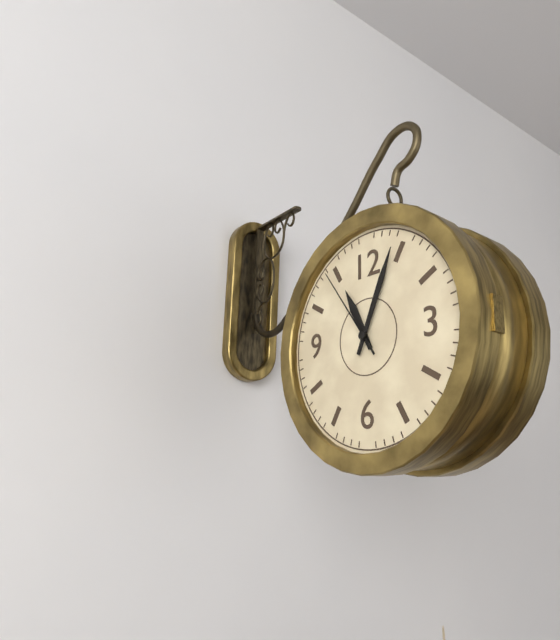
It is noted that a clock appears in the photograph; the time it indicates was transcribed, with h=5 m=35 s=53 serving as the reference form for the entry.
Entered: h=11 m=4 s=54
